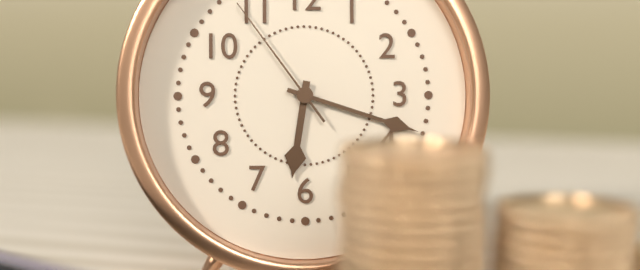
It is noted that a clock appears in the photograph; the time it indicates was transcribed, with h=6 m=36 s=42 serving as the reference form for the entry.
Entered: h=6 m=18 s=54
